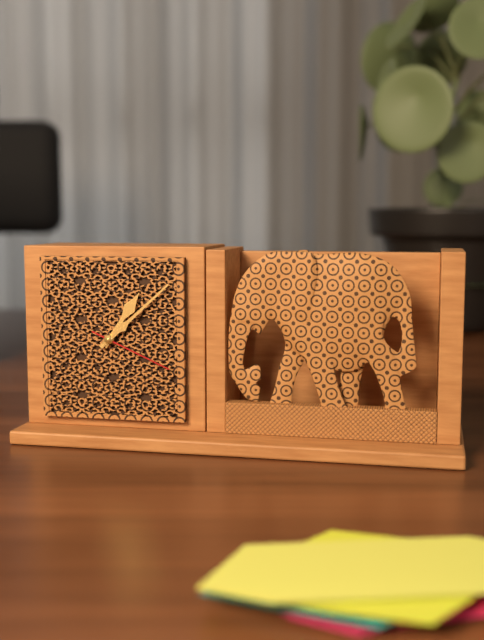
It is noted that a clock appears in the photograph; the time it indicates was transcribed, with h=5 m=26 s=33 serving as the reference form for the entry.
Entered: h=1 m=8 s=19
